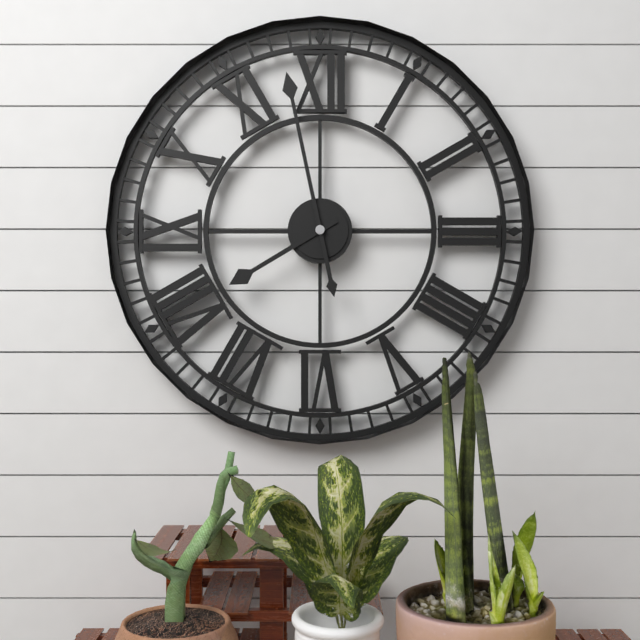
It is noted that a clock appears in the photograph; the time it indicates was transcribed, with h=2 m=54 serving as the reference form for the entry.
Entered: h=7 m=58
